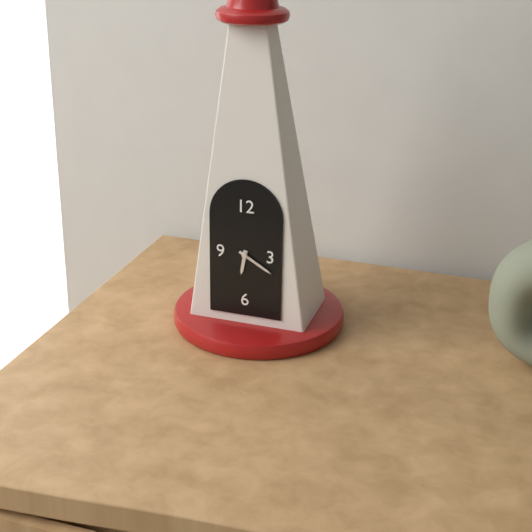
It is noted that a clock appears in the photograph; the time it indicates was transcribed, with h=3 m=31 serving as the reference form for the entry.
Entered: h=6 m=20
